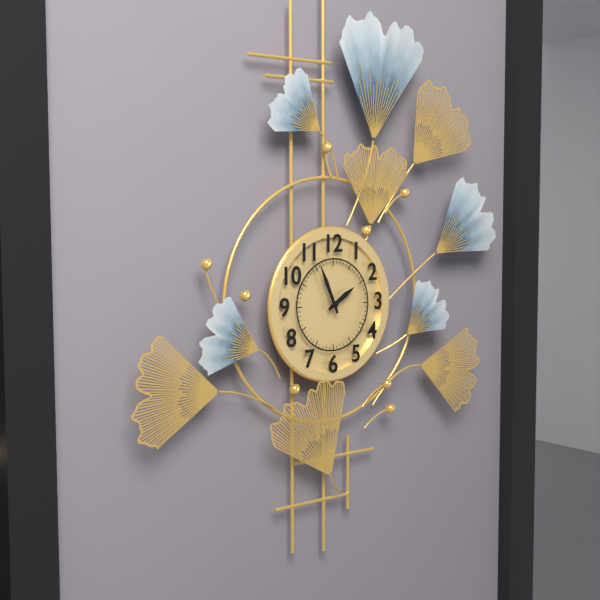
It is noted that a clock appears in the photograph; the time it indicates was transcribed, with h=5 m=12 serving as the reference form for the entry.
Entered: h=1 m=56
